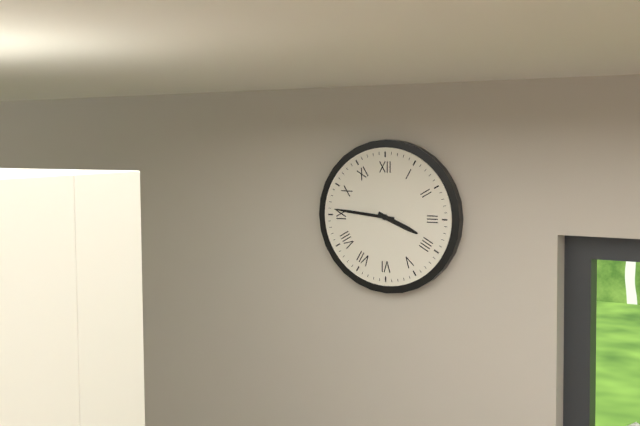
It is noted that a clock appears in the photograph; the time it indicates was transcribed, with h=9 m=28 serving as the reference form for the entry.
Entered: h=3 m=46
